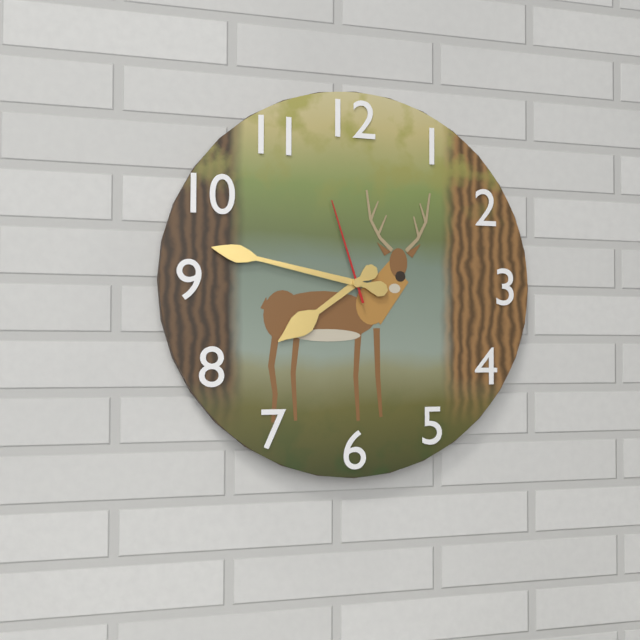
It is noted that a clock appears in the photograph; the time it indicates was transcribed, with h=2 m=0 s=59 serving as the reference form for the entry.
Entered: h=7 m=47 s=57
